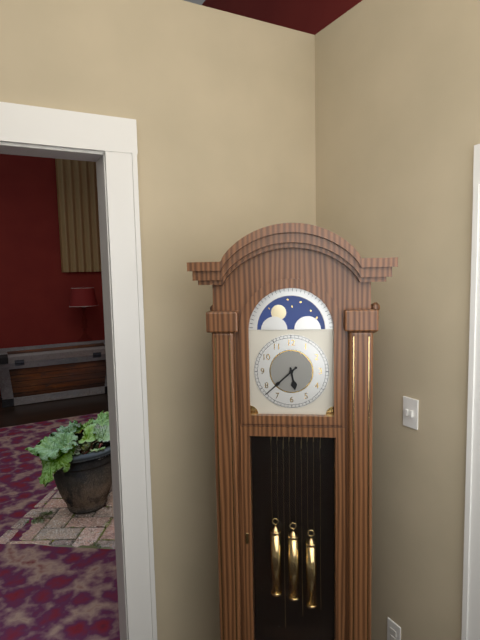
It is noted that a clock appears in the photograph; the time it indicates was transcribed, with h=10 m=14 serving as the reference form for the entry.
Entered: h=5 m=38
